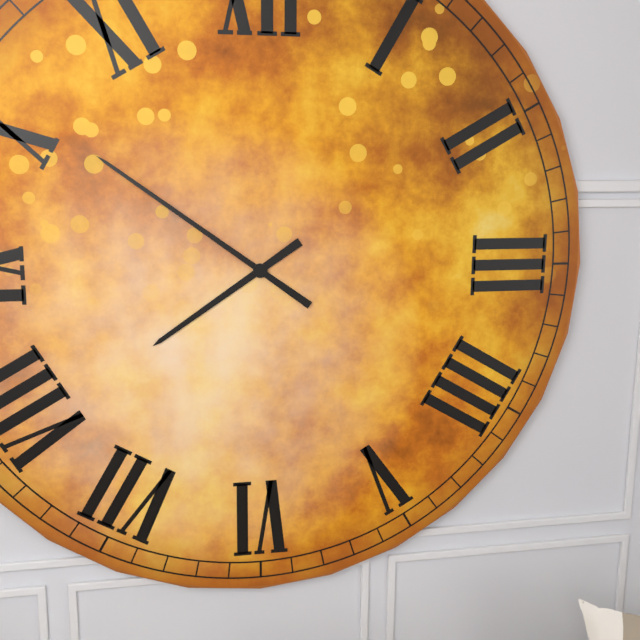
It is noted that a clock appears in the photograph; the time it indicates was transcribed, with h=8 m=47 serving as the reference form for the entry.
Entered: h=7 m=51
